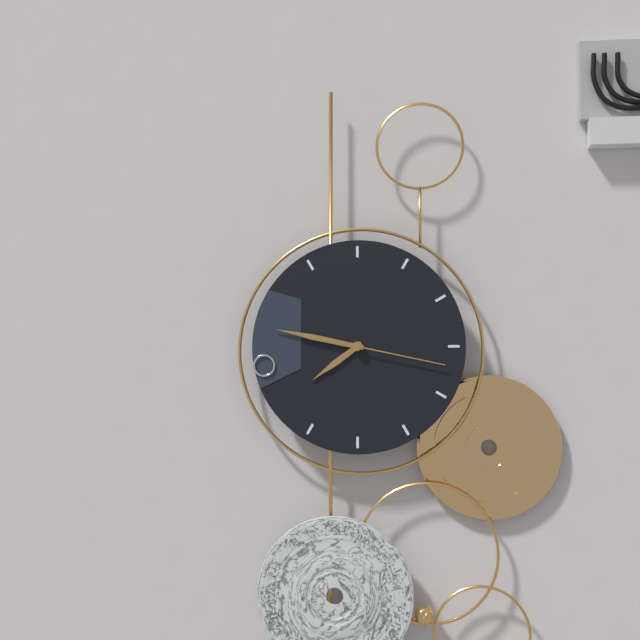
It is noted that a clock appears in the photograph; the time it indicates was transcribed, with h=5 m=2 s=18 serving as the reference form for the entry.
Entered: h=7 m=47 s=17
